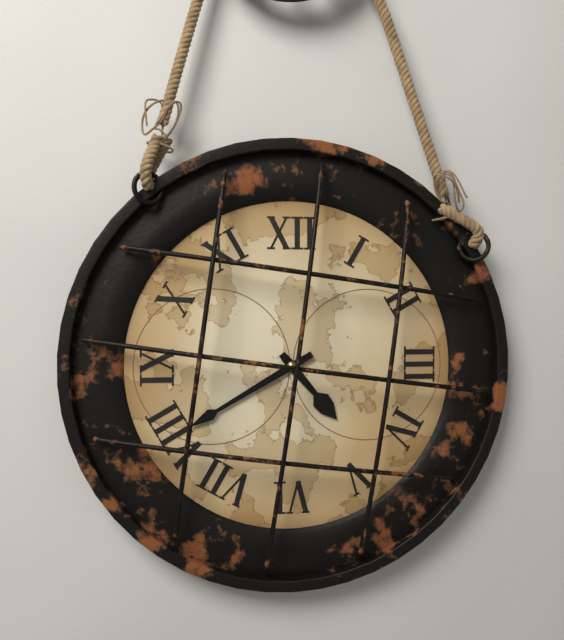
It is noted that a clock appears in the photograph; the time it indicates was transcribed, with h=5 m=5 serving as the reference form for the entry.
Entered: h=4 m=40
